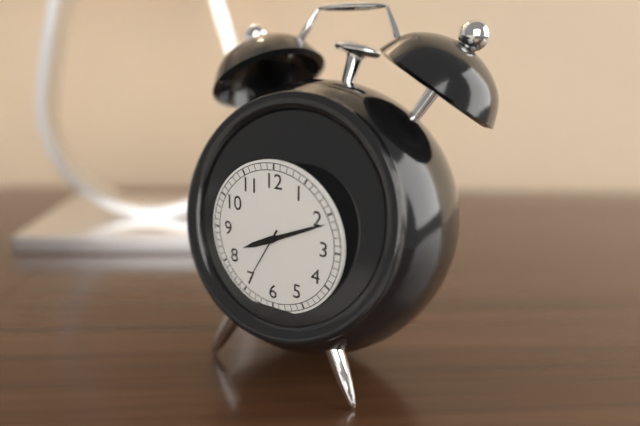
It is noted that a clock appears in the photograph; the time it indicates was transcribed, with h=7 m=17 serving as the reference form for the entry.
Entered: h=8 m=11
